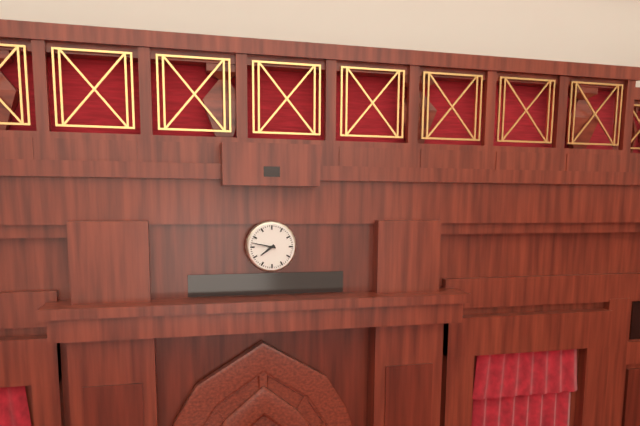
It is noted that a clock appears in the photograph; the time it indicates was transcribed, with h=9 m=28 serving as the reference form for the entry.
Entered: h=7 m=47
